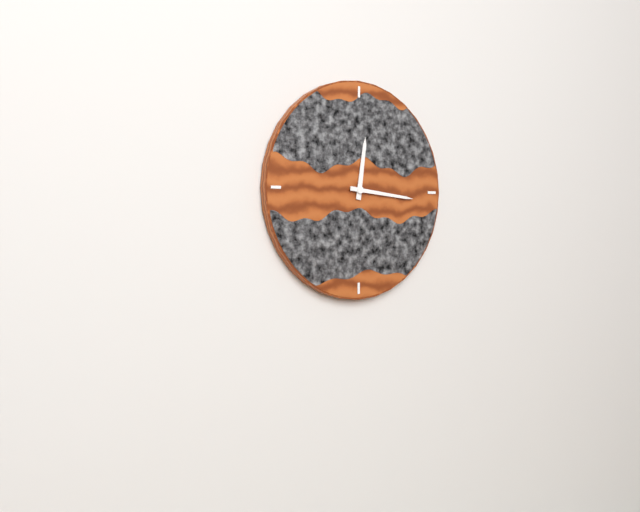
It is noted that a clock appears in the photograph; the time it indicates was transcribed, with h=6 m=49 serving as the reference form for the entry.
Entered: h=12 m=16
